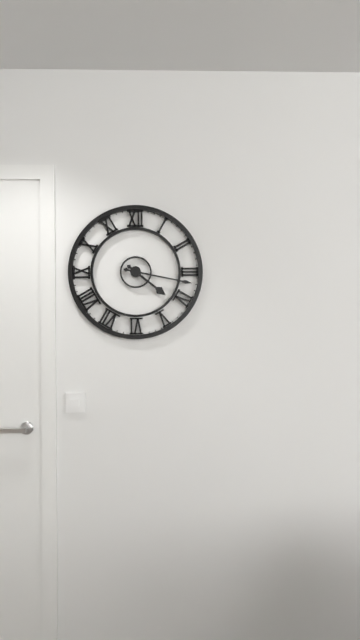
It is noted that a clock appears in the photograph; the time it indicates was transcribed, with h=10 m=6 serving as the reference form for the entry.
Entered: h=4 m=17
